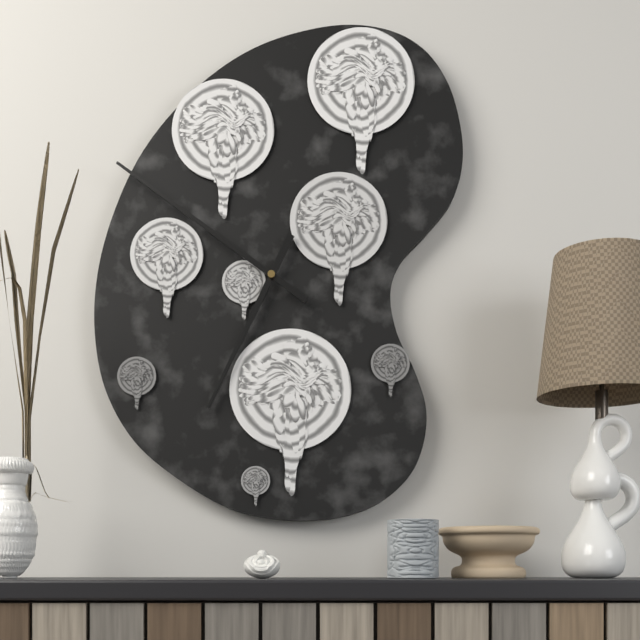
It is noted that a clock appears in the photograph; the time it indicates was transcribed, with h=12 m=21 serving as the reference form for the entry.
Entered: h=6 m=51
